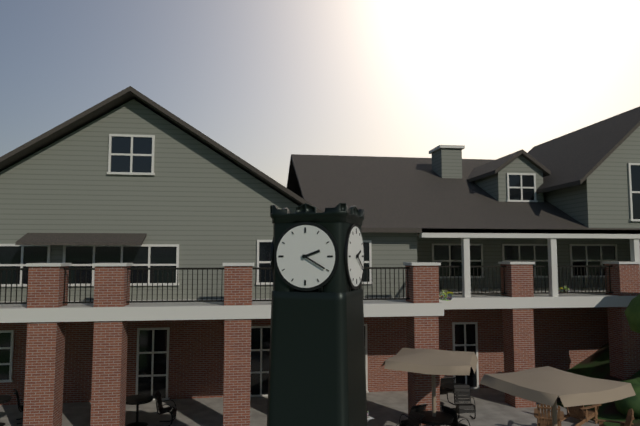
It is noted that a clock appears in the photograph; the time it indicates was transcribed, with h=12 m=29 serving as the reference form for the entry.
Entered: h=2 m=20
